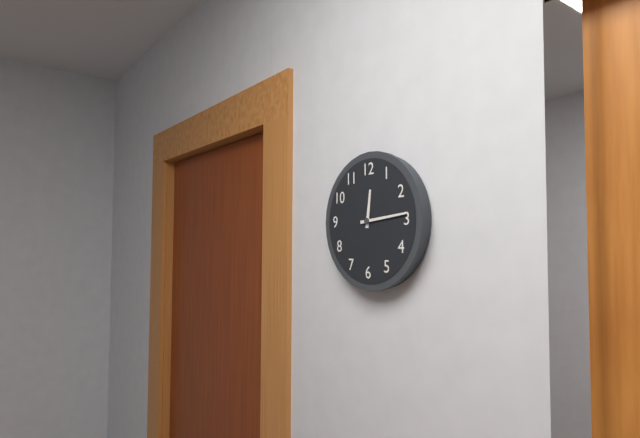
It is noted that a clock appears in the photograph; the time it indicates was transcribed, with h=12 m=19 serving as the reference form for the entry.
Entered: h=12 m=14
